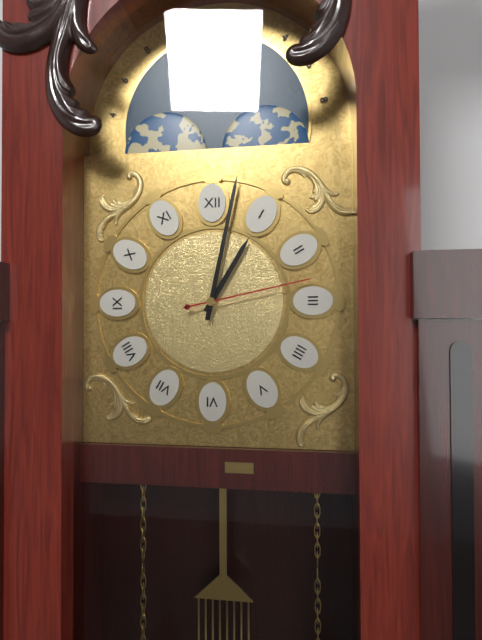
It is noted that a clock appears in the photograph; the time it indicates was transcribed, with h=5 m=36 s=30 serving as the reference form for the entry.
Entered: h=1 m=2 s=13
